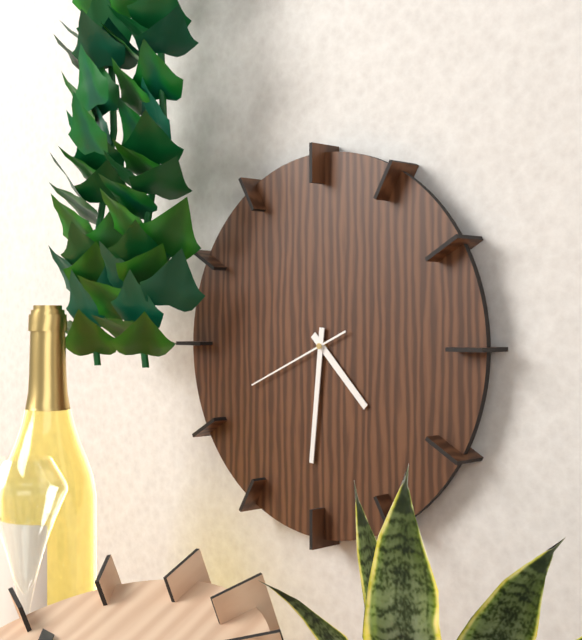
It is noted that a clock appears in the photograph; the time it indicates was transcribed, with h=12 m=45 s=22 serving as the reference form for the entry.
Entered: h=4 m=31 s=41
